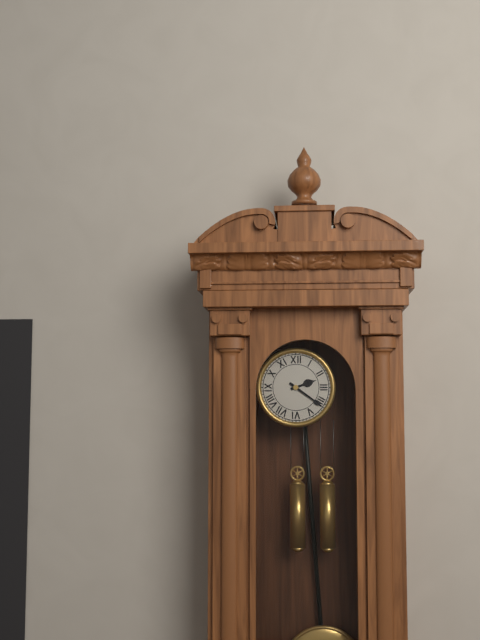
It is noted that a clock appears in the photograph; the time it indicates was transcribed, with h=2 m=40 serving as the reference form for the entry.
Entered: h=2 m=21
